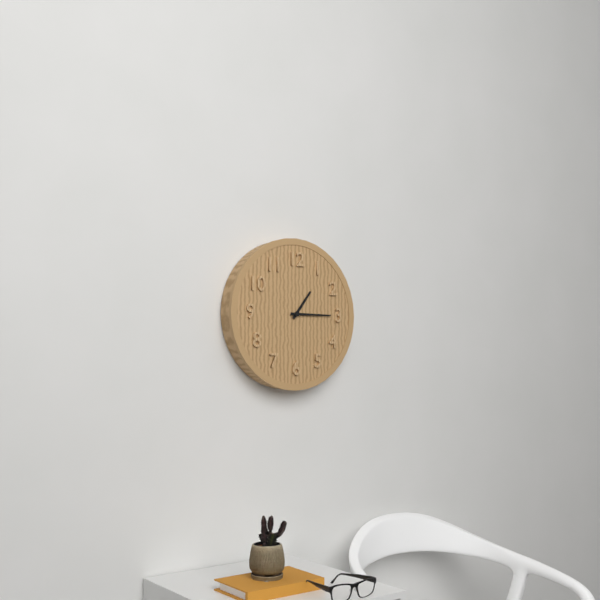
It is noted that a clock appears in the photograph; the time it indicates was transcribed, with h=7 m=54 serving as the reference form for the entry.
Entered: h=1 m=15
